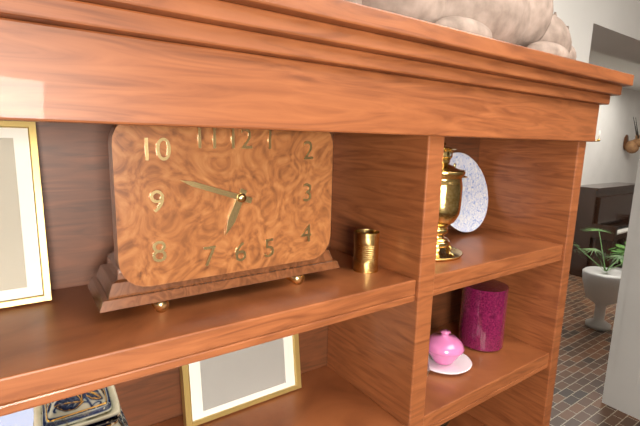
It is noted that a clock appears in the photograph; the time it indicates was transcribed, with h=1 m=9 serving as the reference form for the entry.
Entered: h=6 m=48
